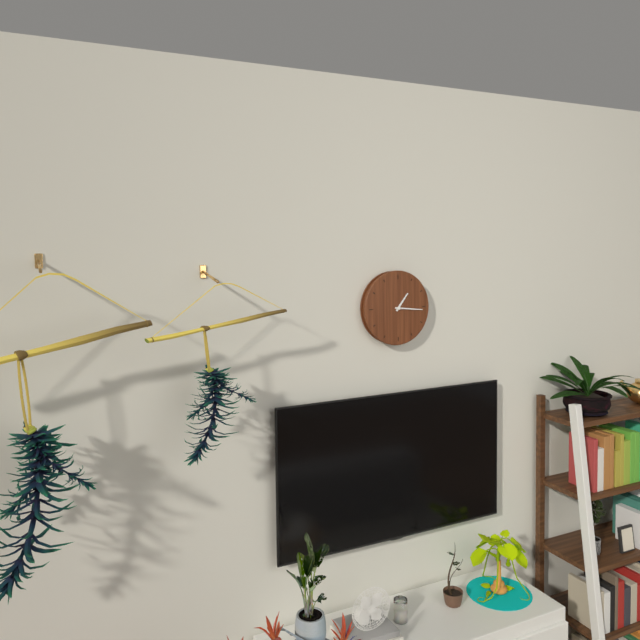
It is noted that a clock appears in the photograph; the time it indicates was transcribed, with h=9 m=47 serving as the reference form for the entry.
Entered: h=1 m=16
